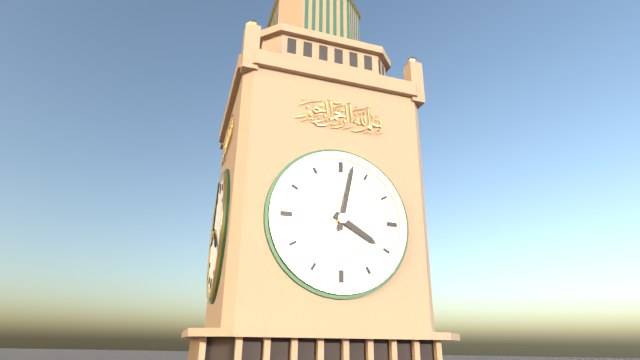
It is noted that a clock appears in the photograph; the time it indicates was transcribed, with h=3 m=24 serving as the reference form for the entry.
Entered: h=4 m=2
